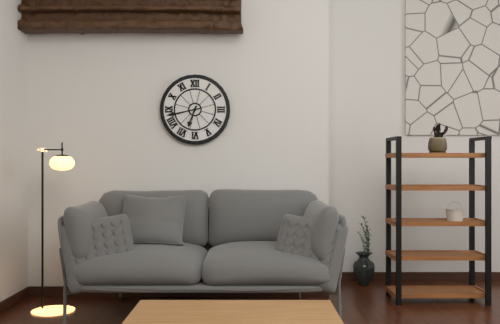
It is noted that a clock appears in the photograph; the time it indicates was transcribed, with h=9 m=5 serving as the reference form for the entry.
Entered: h=6 m=43
